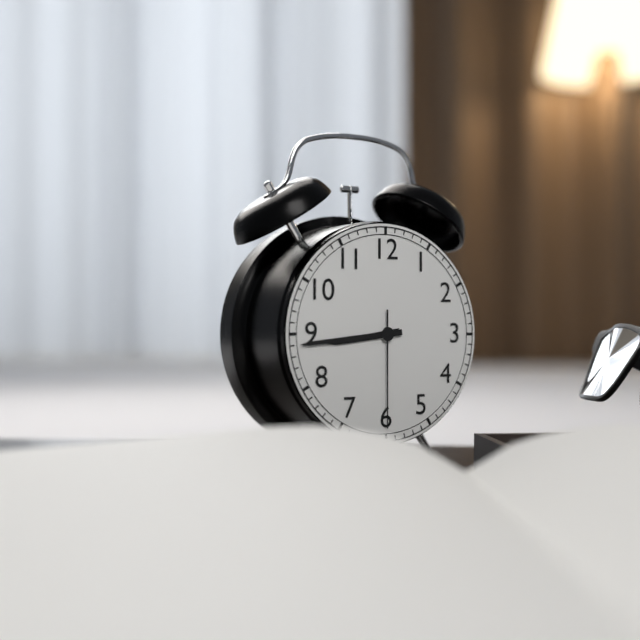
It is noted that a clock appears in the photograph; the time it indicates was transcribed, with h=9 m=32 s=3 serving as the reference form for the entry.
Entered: h=8 m=44 s=30
